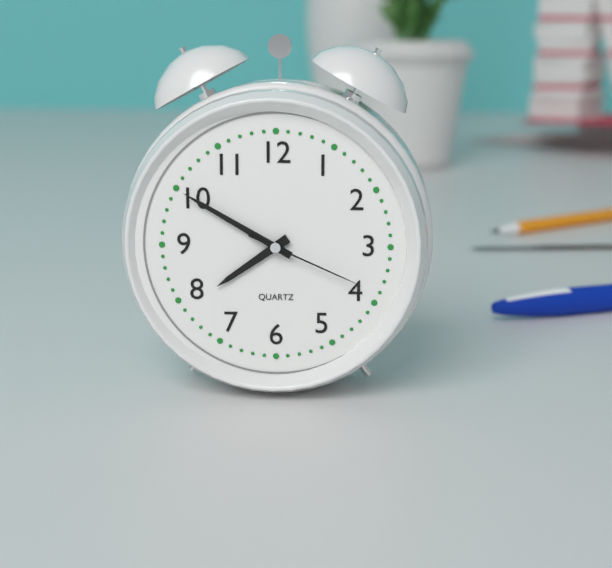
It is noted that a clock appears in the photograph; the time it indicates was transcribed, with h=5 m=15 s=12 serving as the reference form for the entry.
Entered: h=7 m=50 s=19
